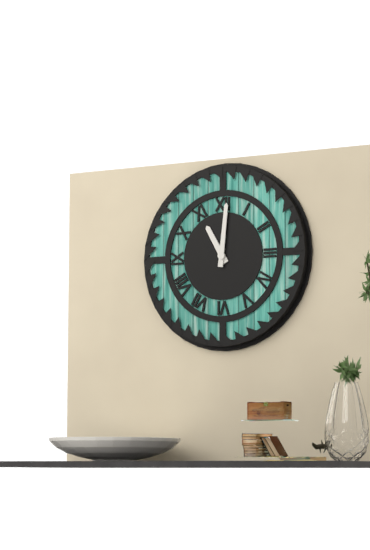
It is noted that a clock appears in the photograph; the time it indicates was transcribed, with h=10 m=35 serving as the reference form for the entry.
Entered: h=11 m=1
